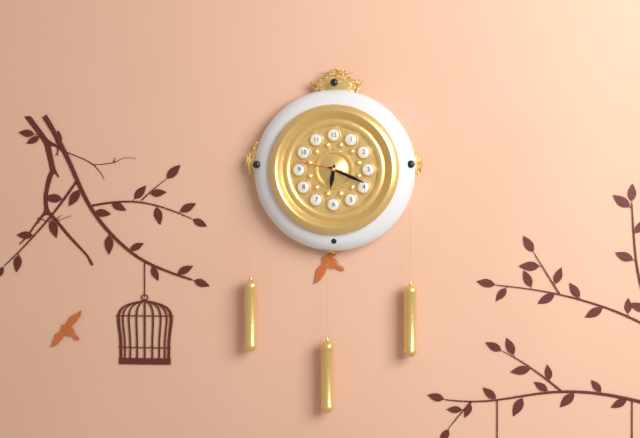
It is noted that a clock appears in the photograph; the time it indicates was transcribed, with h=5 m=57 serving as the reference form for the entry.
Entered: h=6 m=19
